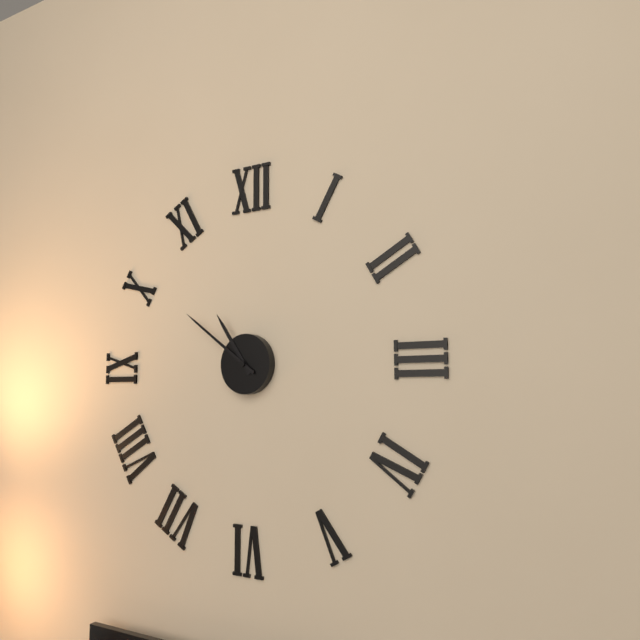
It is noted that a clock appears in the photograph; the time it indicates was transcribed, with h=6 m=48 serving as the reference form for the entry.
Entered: h=10 m=51
